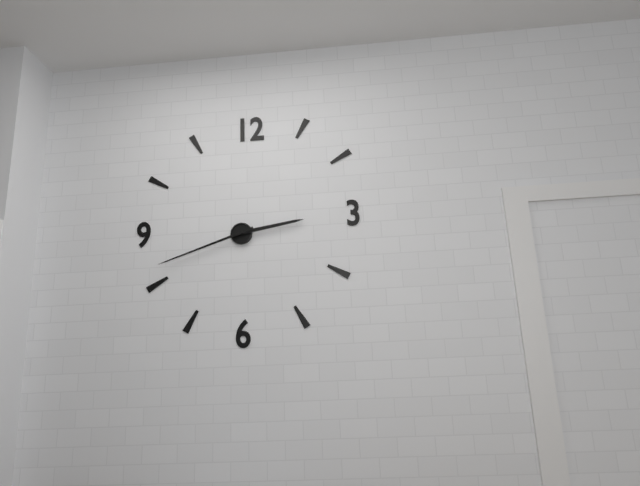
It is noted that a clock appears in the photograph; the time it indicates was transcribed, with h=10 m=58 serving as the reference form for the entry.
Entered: h=2 m=42
